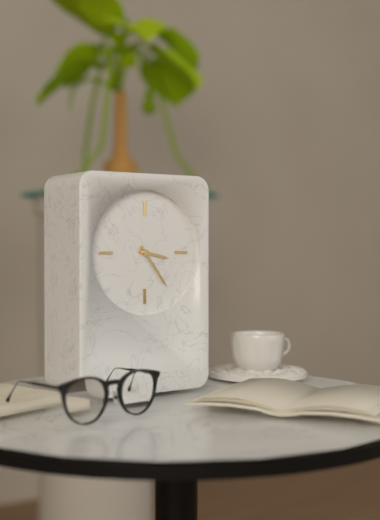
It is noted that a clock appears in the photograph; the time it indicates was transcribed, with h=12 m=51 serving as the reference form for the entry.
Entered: h=3 m=24
